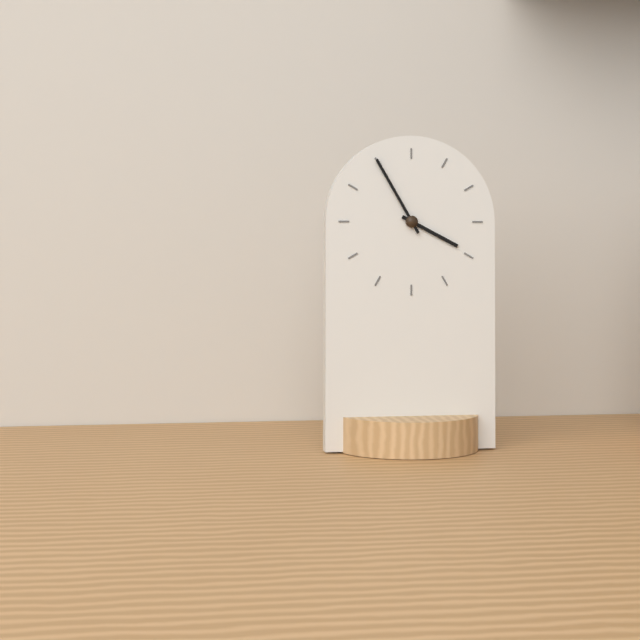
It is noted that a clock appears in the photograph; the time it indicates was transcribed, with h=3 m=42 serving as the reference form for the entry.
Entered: h=3 m=55
